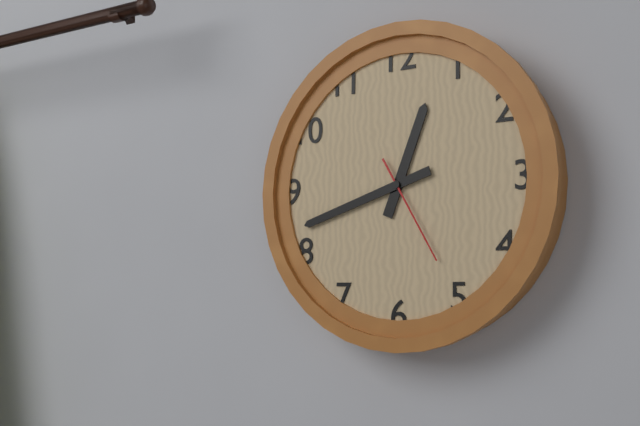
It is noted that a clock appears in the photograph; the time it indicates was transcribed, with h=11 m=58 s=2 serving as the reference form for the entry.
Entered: h=12 m=42 s=25
